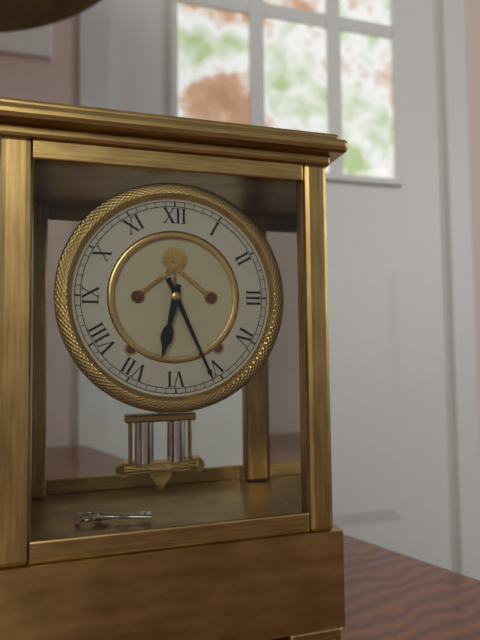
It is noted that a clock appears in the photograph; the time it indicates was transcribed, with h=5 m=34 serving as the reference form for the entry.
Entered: h=6 m=26
